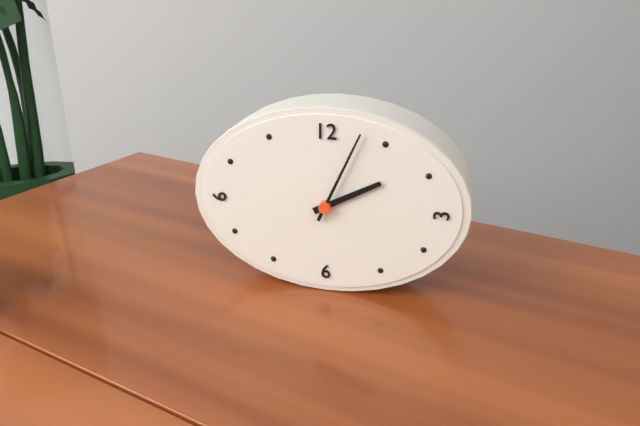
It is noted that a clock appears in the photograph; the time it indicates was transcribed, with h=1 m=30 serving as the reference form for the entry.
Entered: h=2 m=4
